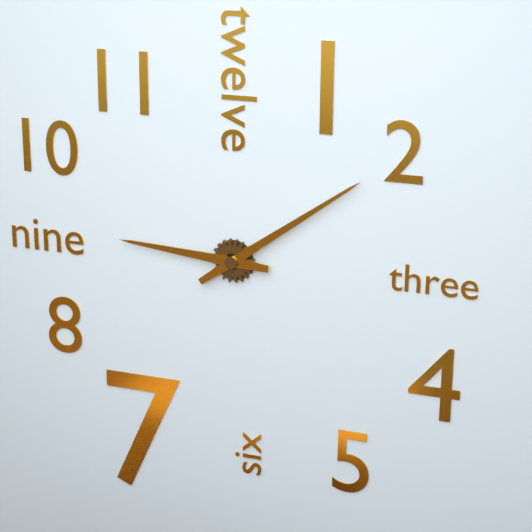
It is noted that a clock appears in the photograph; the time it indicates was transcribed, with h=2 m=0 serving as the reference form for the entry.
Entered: h=9 m=9
